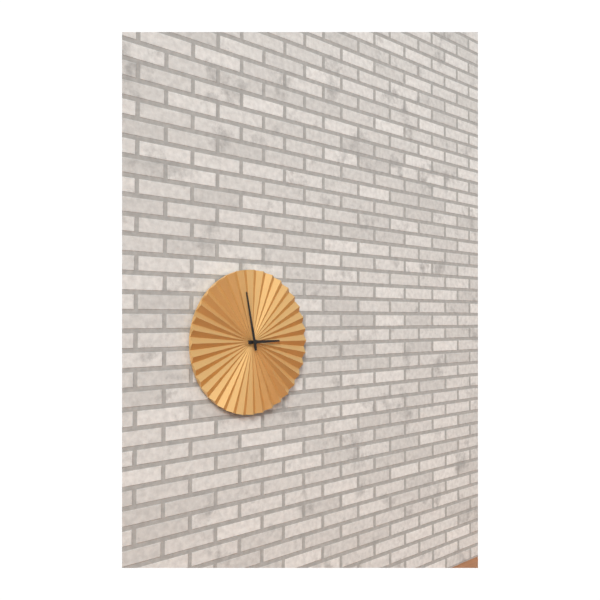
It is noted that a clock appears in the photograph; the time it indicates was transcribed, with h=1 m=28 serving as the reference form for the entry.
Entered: h=2 m=58
